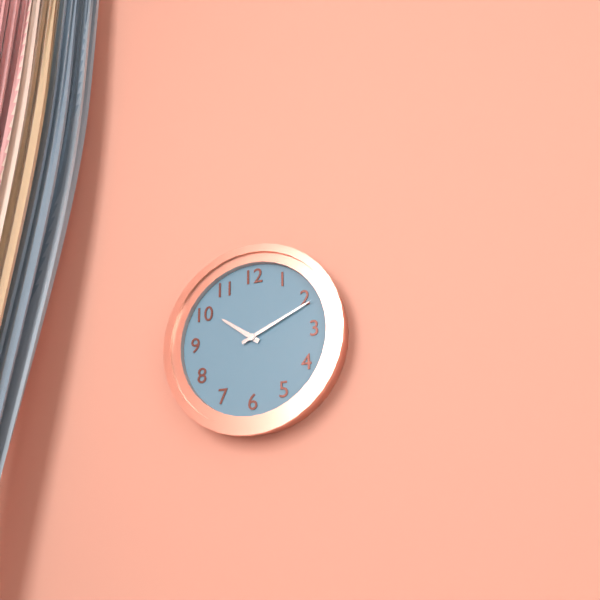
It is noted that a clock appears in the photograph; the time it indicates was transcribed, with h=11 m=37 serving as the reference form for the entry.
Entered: h=10 m=11
